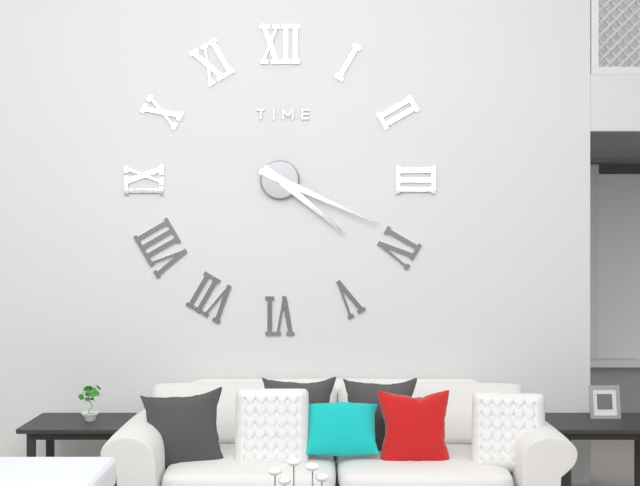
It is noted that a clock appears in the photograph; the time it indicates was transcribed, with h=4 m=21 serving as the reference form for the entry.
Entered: h=4 m=19
